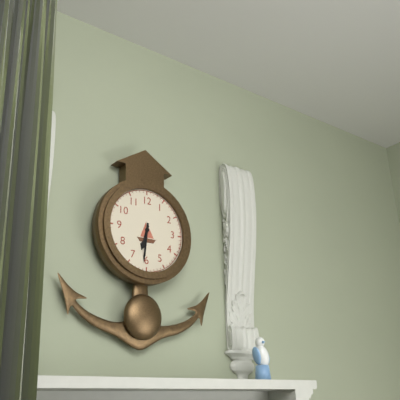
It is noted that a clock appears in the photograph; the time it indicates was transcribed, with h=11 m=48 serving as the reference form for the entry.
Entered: h=6 m=31
